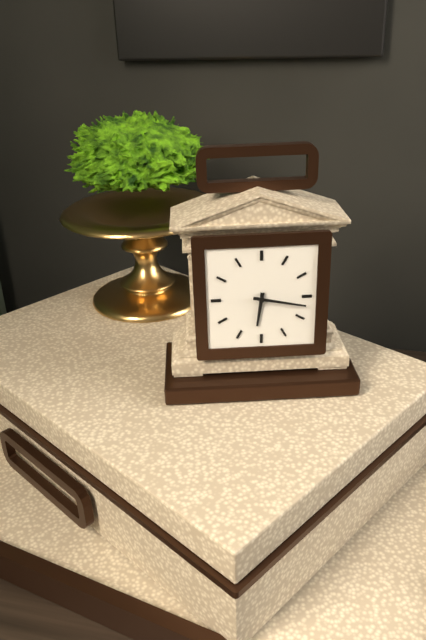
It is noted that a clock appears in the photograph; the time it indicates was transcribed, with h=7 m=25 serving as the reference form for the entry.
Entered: h=6 m=17
